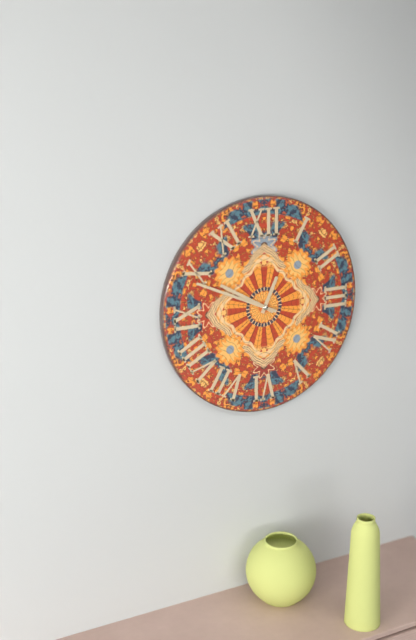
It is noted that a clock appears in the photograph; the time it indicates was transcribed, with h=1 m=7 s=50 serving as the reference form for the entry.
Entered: h=12 m=50 s=49
